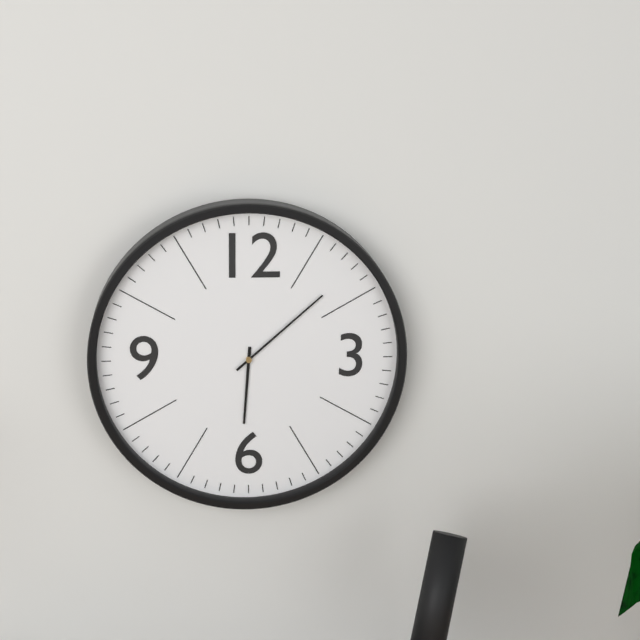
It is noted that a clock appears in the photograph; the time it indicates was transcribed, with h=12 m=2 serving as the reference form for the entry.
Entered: h=6 m=8
